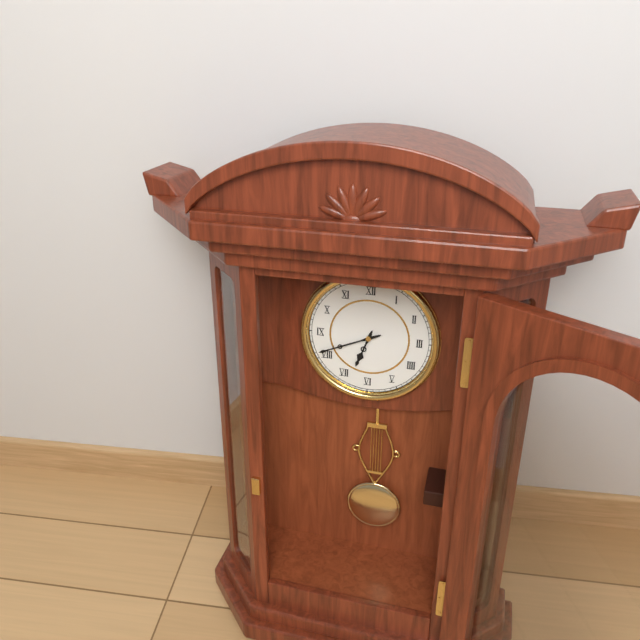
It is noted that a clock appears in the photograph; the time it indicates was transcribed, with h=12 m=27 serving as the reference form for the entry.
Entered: h=6 m=41
